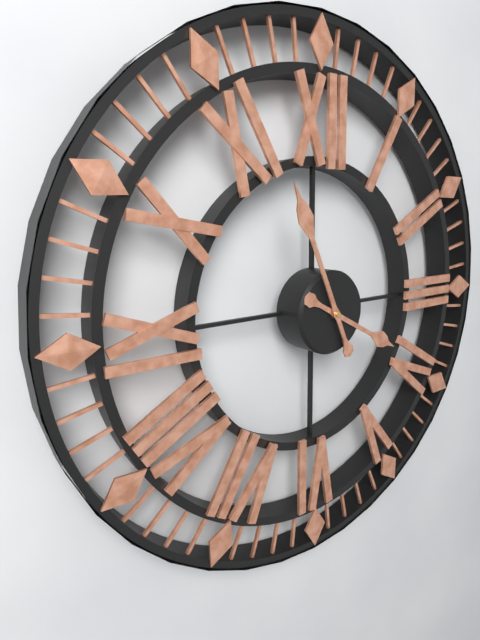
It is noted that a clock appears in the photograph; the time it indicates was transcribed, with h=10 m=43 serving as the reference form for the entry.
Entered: h=3 m=56
